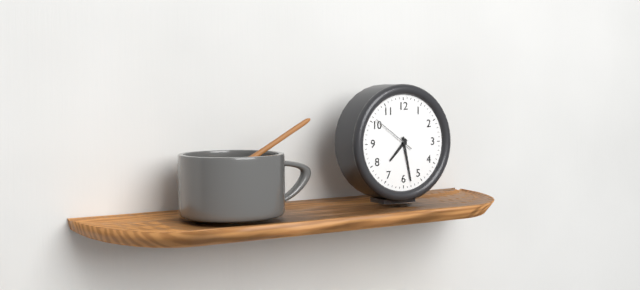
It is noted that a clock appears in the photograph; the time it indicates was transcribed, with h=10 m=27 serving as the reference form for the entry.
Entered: h=7 m=28
